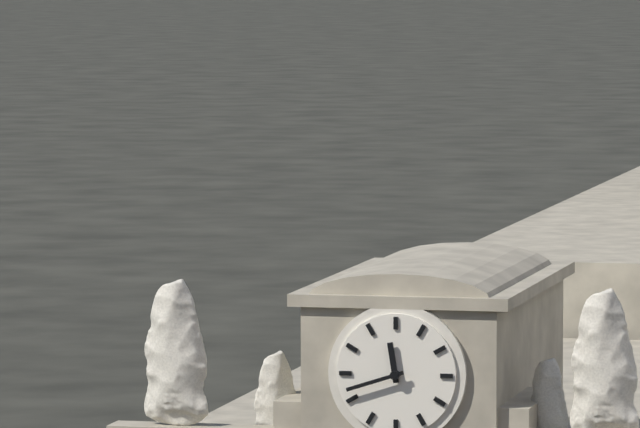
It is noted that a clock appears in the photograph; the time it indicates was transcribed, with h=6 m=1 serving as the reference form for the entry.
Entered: h=11 m=42
